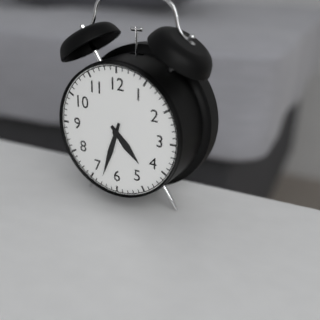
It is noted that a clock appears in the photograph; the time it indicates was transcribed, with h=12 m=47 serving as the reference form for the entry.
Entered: h=4 m=33
